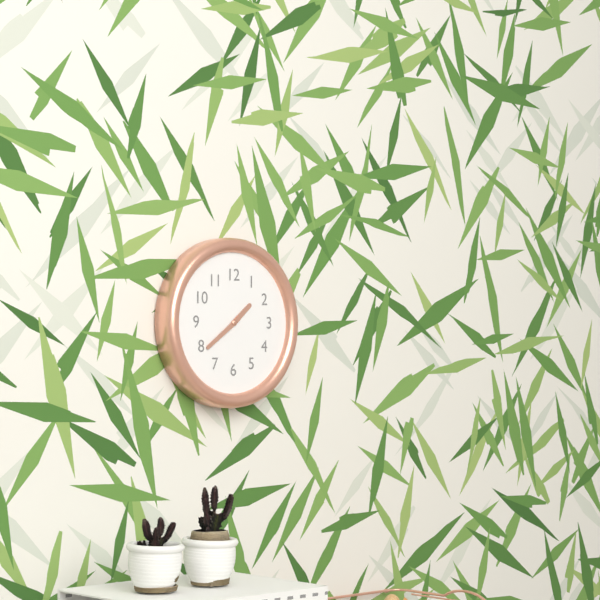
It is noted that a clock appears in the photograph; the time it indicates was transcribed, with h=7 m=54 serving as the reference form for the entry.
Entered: h=1 m=39
